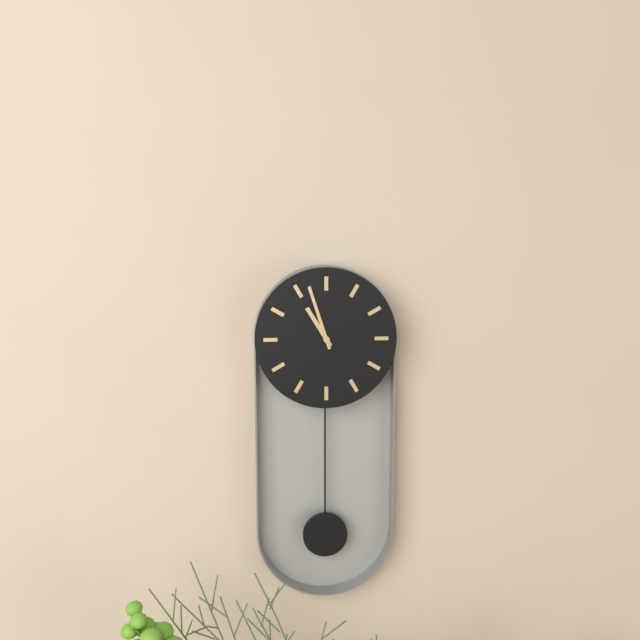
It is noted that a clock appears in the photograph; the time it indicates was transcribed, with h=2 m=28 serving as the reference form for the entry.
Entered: h=10 m=57
